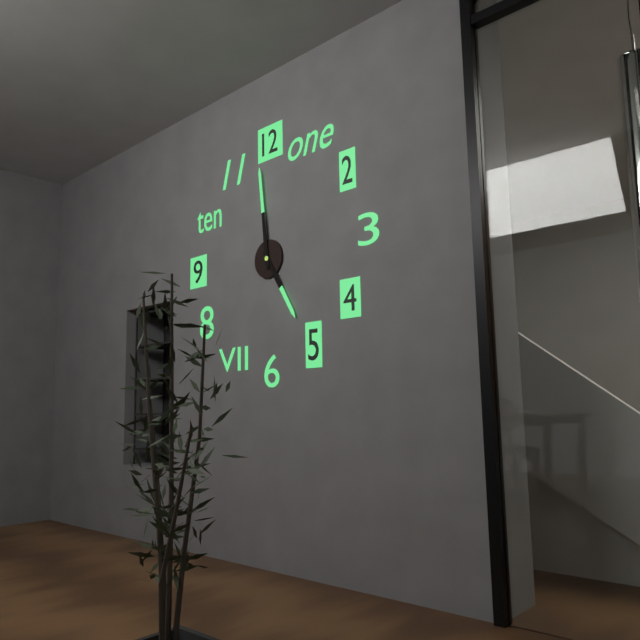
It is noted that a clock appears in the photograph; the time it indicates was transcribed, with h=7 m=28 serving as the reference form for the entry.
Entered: h=4 m=59
